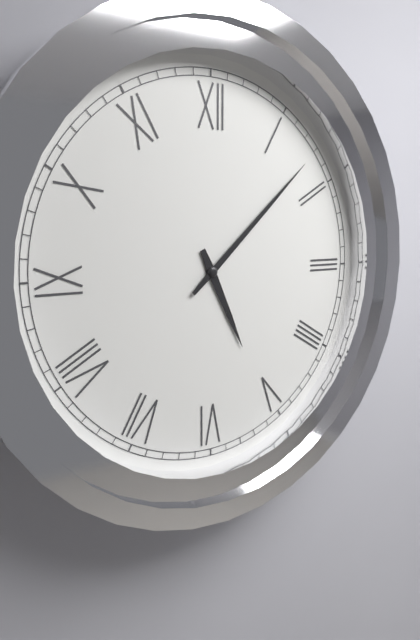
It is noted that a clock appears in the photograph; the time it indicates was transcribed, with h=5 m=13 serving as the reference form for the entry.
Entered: h=5 m=8
